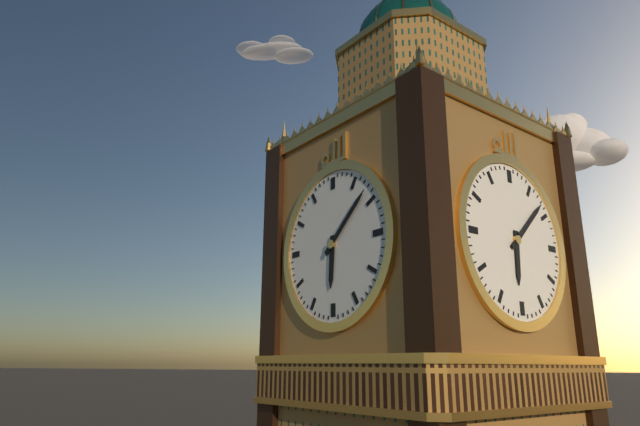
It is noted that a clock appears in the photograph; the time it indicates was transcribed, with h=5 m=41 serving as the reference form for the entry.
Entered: h=6 m=8
